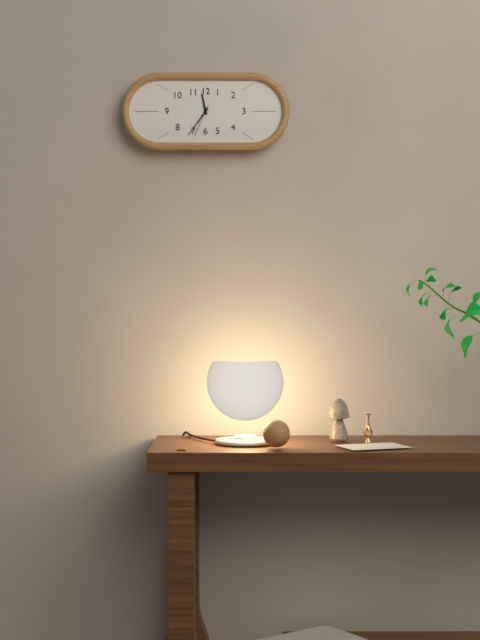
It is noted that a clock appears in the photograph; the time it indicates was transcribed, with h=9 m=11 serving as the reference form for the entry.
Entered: h=11 m=36
